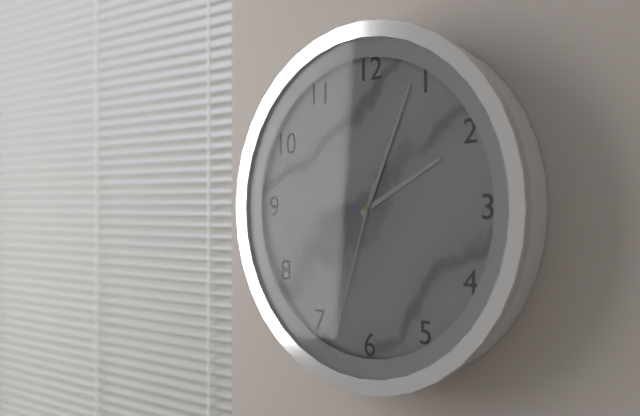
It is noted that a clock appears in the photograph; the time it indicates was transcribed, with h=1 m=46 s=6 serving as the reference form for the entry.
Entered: h=2 m=4 s=33
